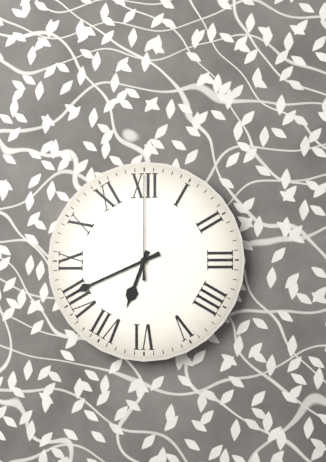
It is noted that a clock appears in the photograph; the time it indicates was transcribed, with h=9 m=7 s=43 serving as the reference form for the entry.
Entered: h=6 m=41 s=0
